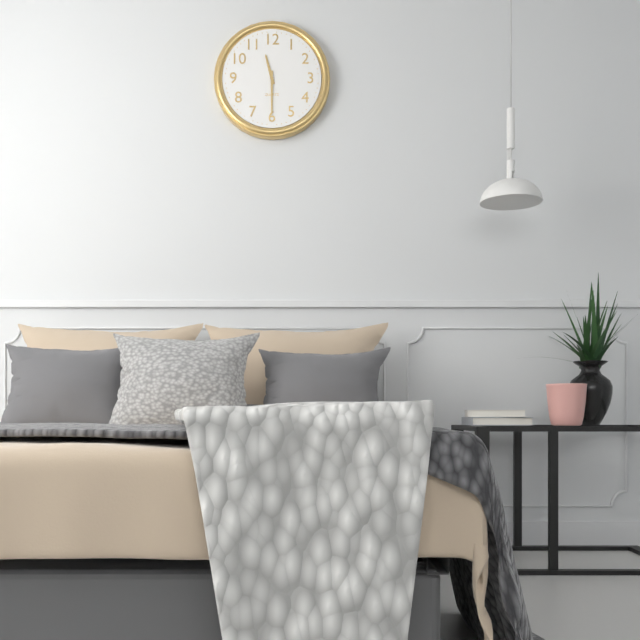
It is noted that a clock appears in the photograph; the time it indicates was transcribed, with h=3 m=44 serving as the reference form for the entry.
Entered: h=11 m=30
